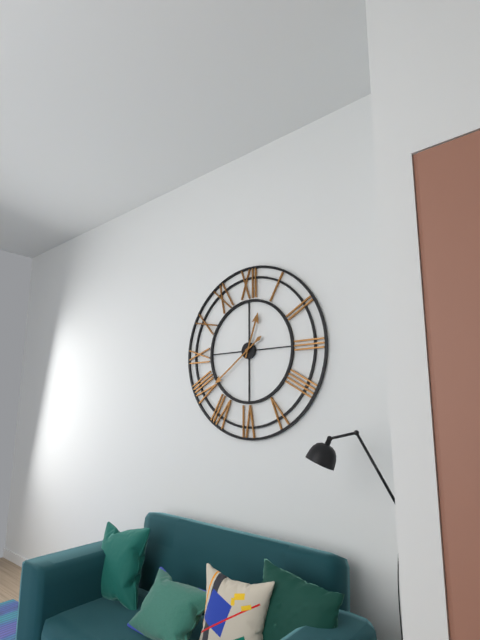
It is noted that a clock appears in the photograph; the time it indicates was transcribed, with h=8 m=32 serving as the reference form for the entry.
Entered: h=12 m=39
